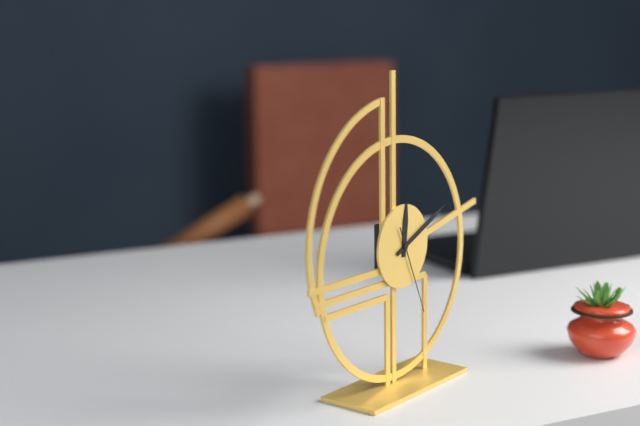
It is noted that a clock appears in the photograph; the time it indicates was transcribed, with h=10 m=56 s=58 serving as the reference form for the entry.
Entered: h=12 m=11 s=26
